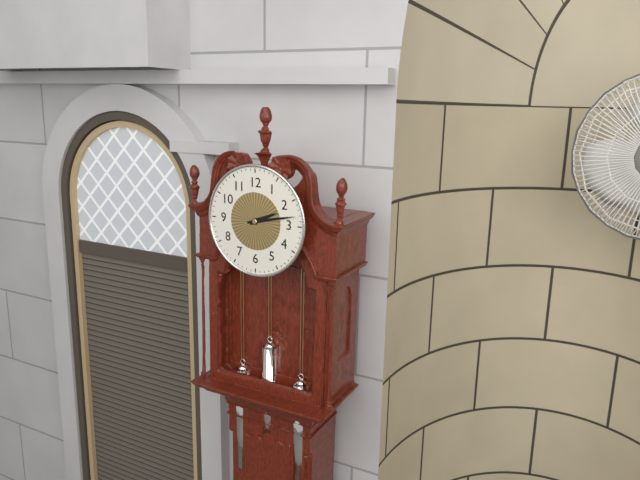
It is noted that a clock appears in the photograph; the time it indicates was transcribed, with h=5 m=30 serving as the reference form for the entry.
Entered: h=2 m=13
